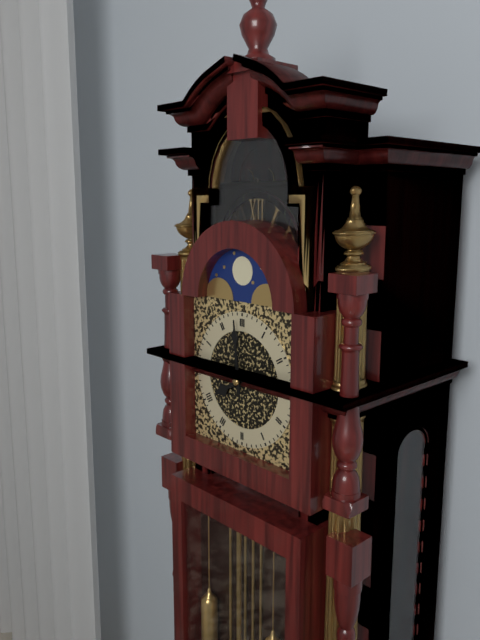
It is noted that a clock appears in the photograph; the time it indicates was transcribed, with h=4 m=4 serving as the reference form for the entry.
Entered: h=7 m=59
